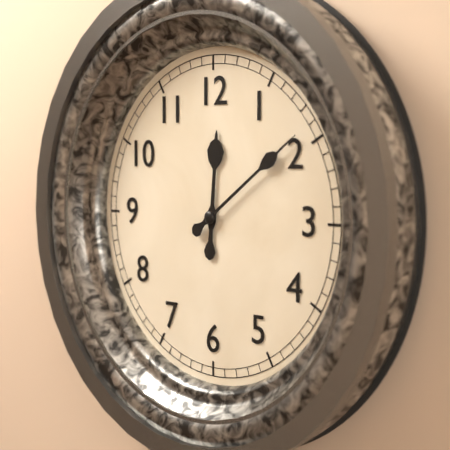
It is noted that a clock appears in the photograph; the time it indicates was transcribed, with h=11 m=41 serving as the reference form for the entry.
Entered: h=12 m=9
